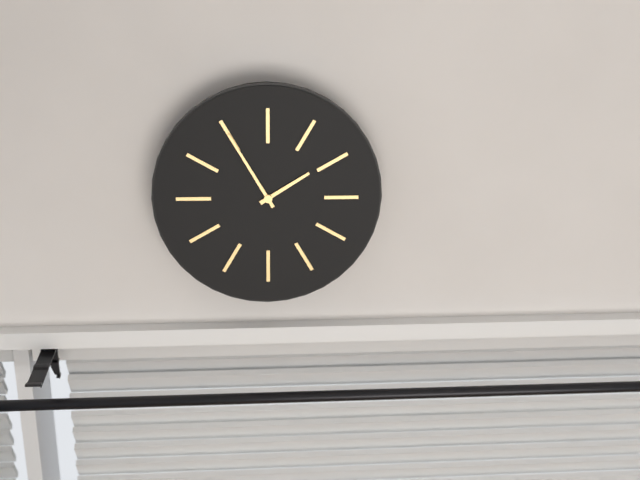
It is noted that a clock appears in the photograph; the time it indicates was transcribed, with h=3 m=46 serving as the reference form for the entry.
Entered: h=1 m=55
